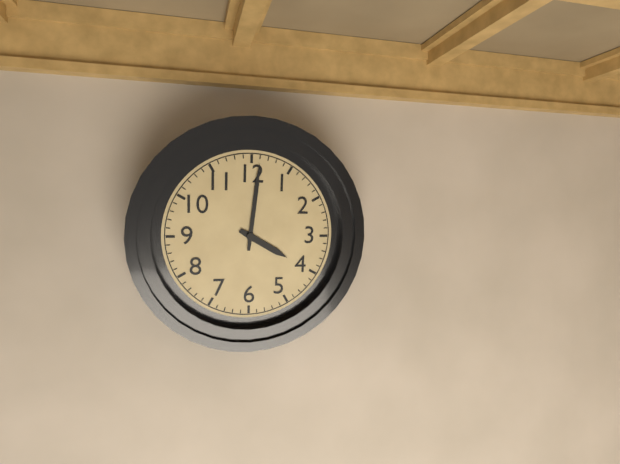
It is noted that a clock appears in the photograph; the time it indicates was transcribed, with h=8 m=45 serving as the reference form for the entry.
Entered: h=4 m=1
